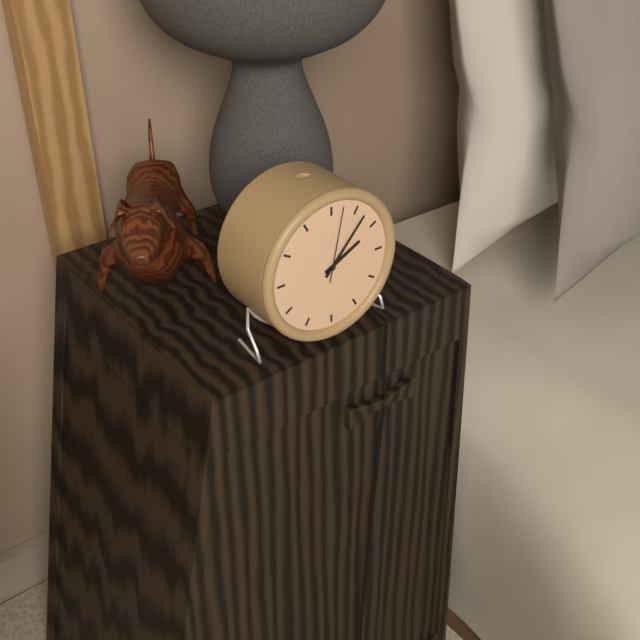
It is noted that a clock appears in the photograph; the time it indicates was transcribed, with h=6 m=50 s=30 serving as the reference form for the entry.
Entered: h=2 m=7 s=2
